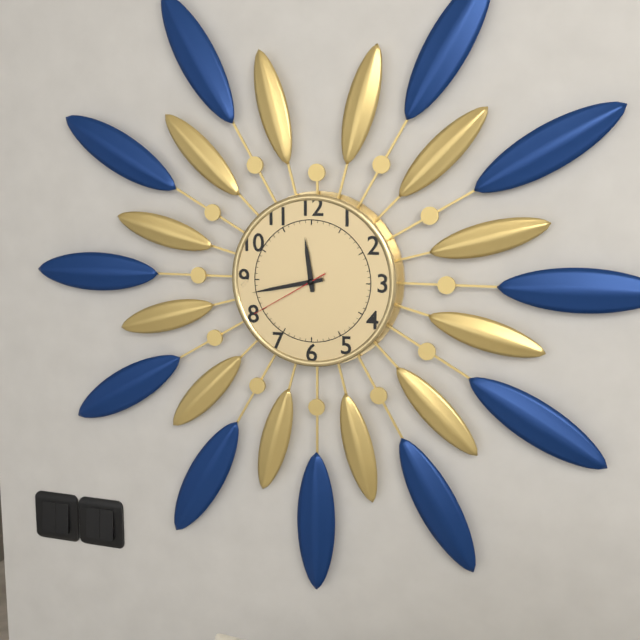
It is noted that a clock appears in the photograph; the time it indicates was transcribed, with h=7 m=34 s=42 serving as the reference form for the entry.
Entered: h=11 m=43 s=40
